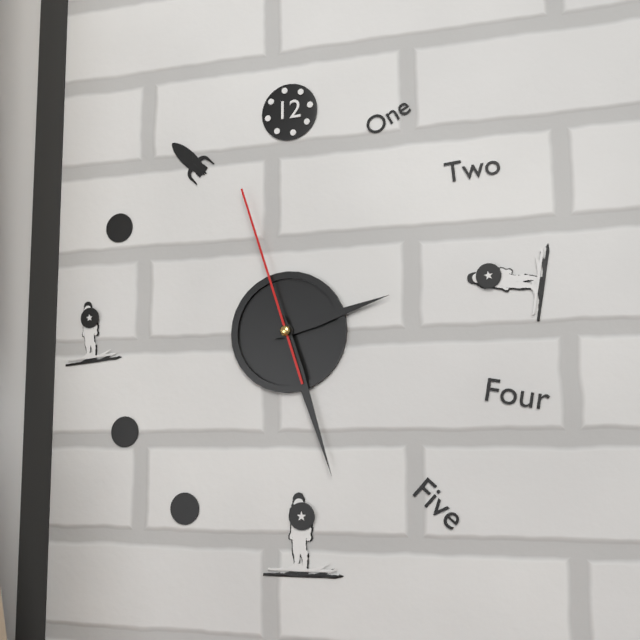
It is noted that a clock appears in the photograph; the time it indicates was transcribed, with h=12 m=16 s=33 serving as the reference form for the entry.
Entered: h=2 m=27 s=57
